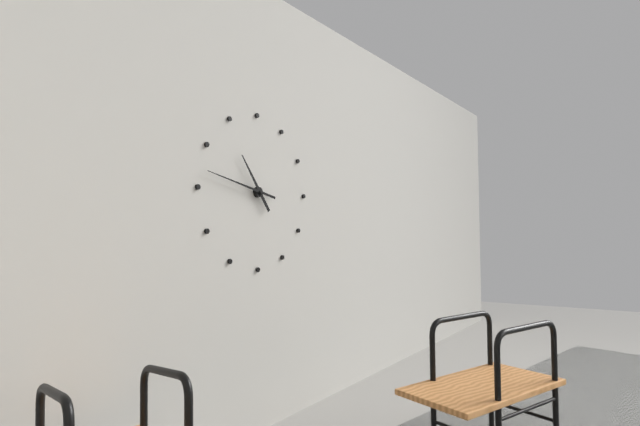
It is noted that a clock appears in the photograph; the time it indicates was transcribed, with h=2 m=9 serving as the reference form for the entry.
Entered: h=10 m=47
